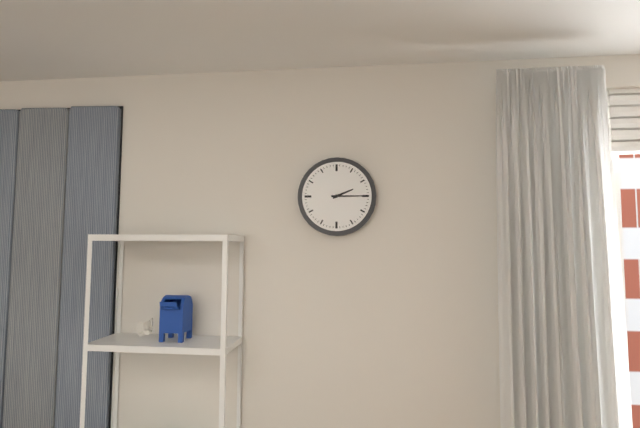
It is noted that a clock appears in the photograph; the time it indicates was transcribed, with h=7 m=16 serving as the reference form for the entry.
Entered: h=2 m=15
